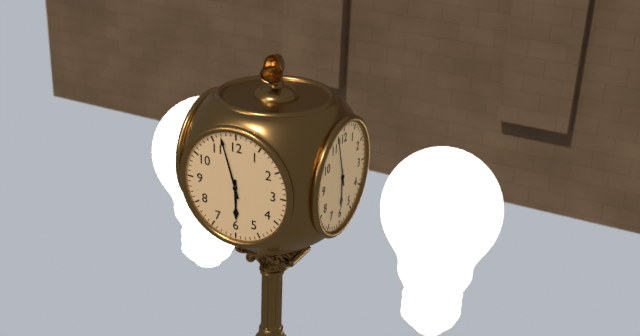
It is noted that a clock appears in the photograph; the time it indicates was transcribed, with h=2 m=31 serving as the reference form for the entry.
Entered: h=5 m=57
